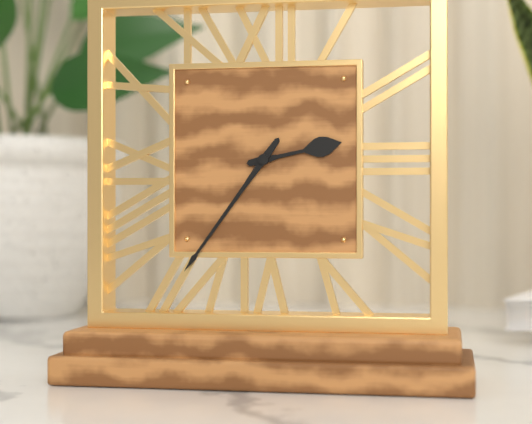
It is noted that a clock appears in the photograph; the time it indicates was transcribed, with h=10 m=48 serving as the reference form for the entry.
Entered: h=2 m=36
